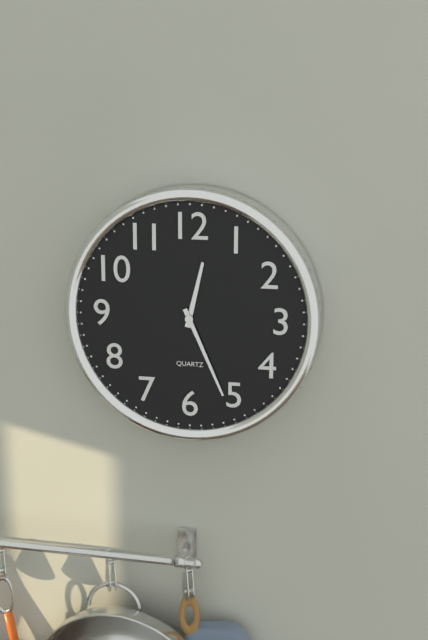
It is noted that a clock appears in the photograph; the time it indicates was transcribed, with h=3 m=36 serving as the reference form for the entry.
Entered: h=12 m=26
